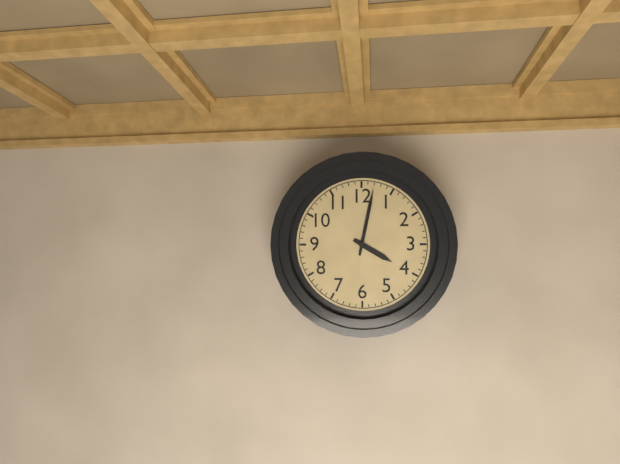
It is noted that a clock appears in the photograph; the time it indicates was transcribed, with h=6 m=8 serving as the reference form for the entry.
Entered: h=4 m=2
